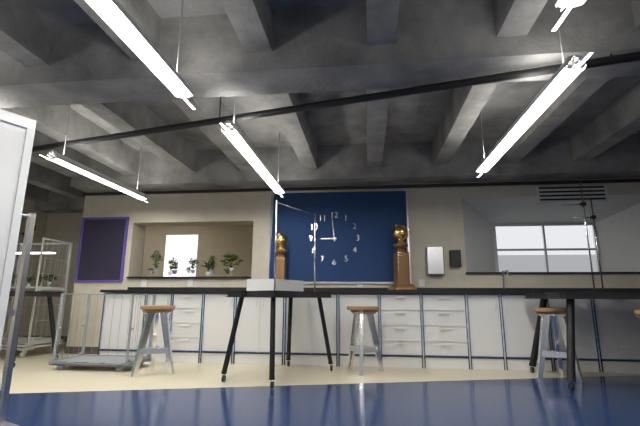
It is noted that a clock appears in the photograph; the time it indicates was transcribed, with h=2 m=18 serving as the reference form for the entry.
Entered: h=8 m=59
